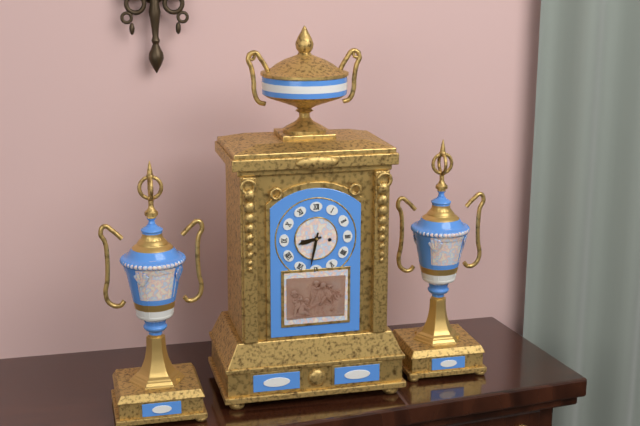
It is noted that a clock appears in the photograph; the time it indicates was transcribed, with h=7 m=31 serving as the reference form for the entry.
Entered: h=8 m=32
